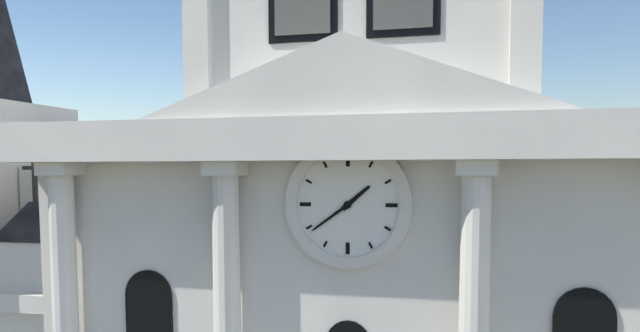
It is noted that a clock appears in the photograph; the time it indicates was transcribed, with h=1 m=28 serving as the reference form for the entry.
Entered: h=1 m=39
